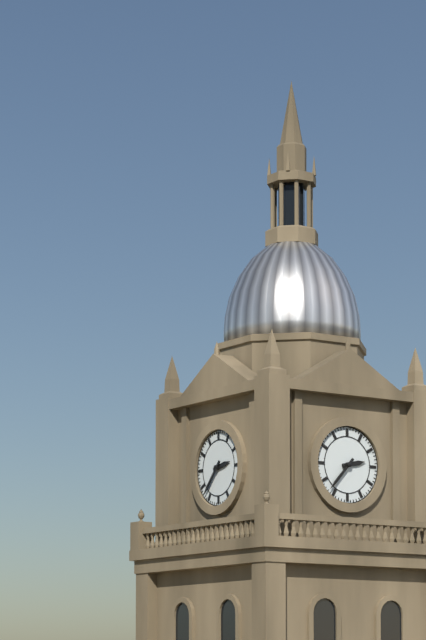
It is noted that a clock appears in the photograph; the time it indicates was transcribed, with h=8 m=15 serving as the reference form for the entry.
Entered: h=2 m=37
